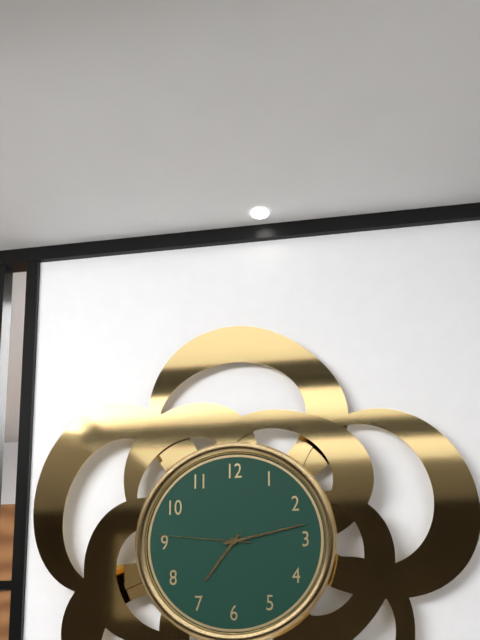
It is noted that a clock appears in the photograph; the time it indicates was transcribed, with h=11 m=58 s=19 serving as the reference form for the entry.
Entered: h=7 m=13 s=46
